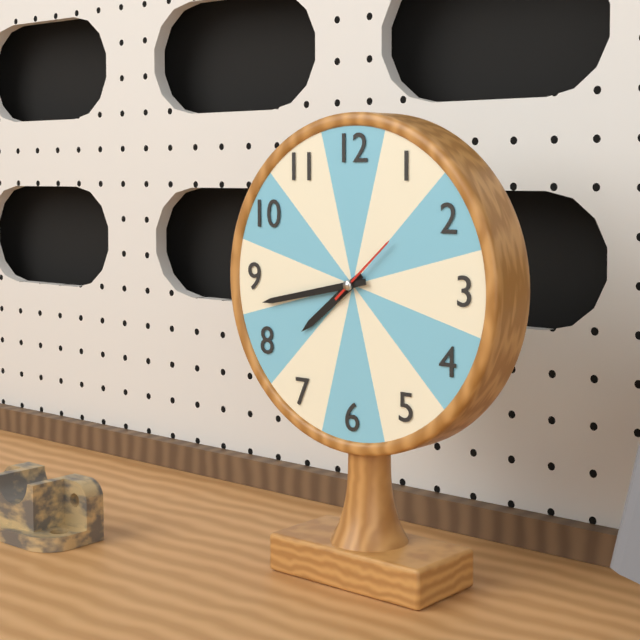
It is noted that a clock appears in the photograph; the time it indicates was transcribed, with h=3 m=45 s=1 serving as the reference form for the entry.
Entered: h=7 m=43 s=8
